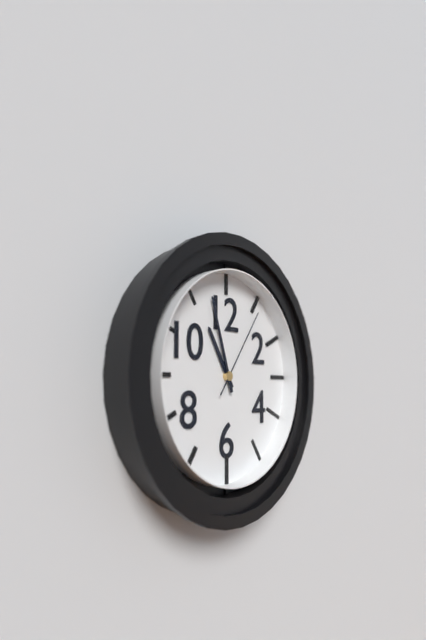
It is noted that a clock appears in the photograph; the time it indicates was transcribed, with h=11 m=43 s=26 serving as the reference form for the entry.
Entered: h=10 m=57 s=6
